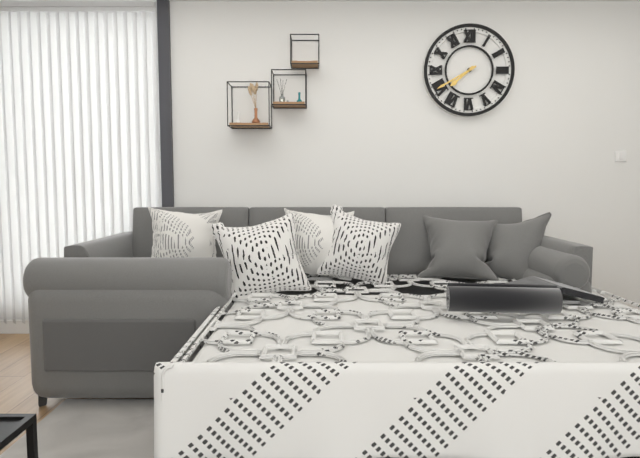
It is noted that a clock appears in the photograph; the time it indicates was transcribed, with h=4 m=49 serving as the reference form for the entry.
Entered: h=7 m=40
